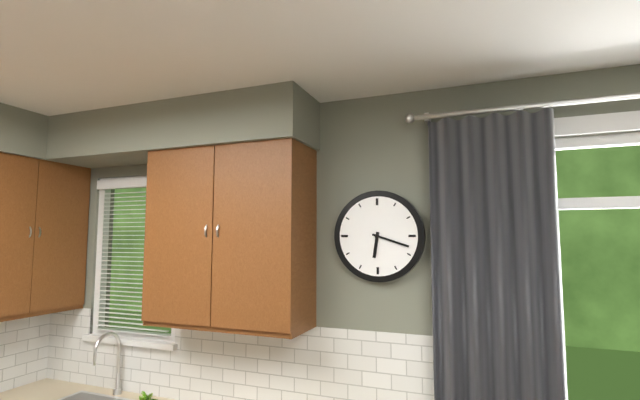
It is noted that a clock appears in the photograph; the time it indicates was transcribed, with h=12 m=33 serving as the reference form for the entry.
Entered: h=6 m=18
